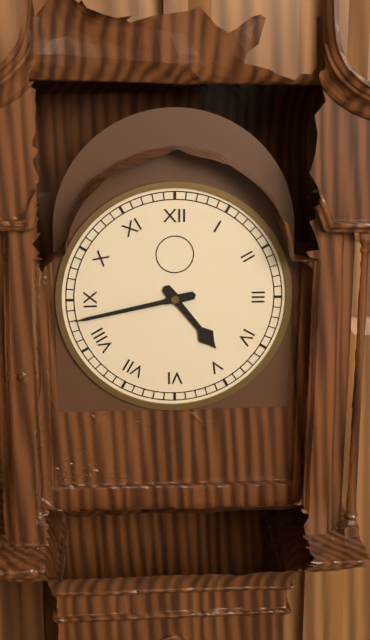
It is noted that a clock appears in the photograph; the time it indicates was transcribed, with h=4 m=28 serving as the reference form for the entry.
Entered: h=4 m=43
